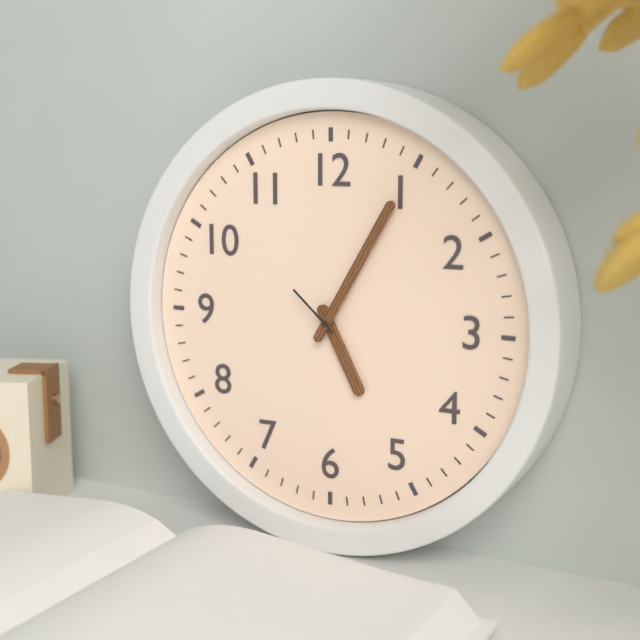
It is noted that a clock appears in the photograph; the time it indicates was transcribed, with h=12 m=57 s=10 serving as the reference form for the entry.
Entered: h=5 m=5 s=52
